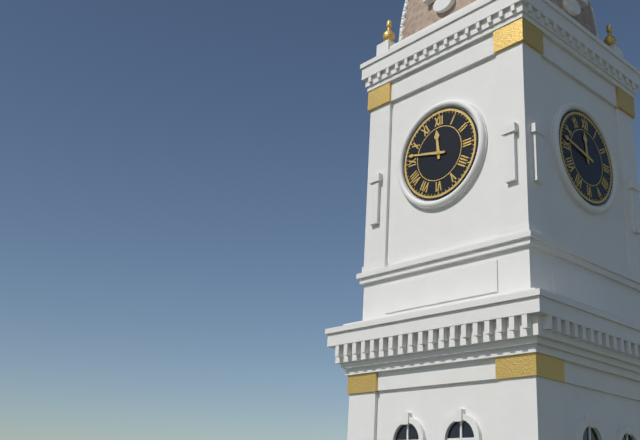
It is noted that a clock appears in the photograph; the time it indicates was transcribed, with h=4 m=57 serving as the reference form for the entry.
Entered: h=11 m=47
